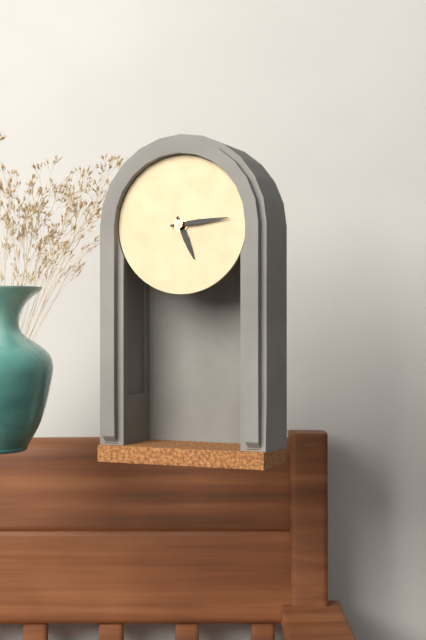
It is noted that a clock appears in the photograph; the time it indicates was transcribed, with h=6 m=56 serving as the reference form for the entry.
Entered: h=5 m=14
